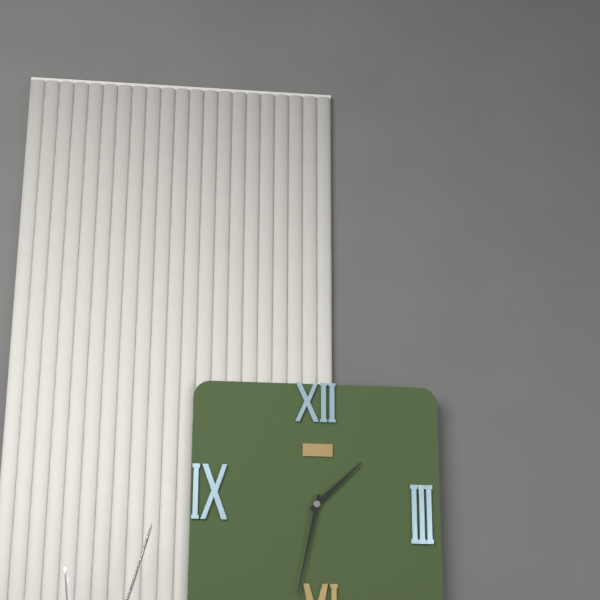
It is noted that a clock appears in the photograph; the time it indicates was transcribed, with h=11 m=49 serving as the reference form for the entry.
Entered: h=1 m=32
